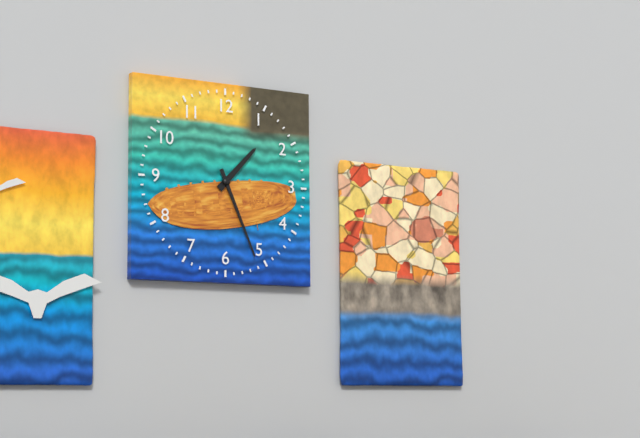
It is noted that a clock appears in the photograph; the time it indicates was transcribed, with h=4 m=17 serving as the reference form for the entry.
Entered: h=1 m=26
